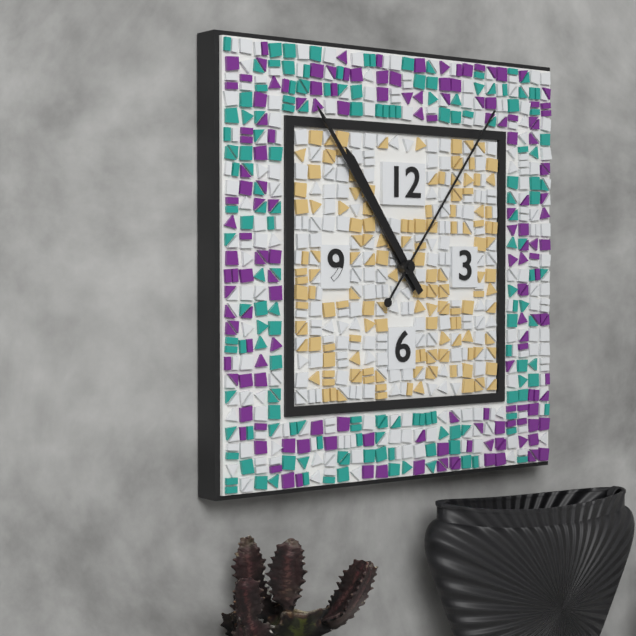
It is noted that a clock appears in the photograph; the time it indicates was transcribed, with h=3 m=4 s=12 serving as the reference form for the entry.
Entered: h=10 m=54 s=6
